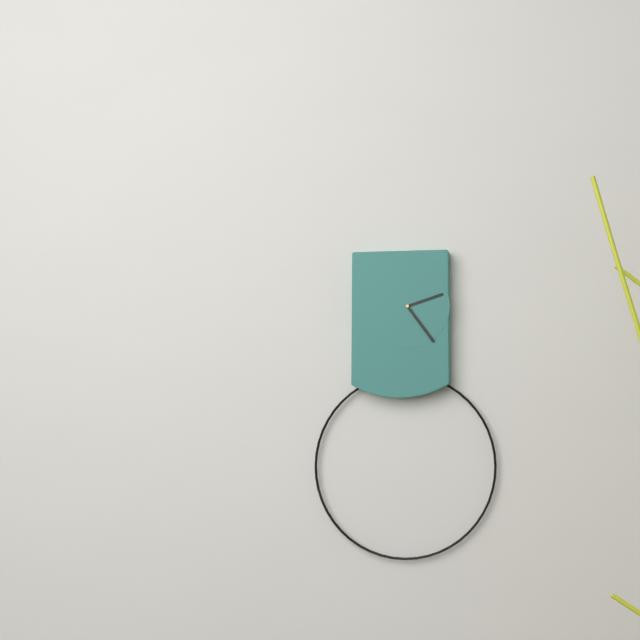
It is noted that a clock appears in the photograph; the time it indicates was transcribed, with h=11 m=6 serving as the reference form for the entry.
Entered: h=2 m=24
